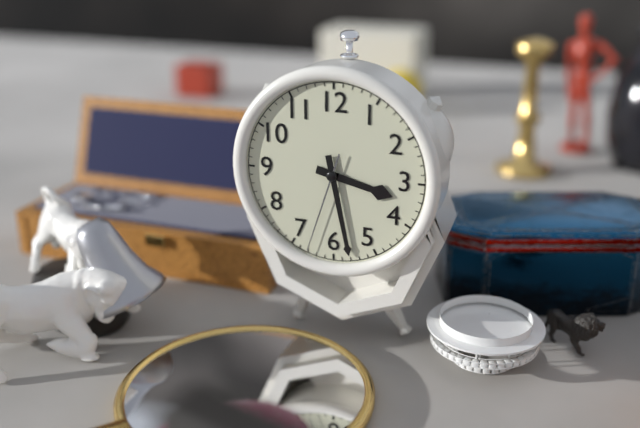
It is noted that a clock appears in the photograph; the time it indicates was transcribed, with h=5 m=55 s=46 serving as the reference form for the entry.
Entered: h=3 m=28 s=33
